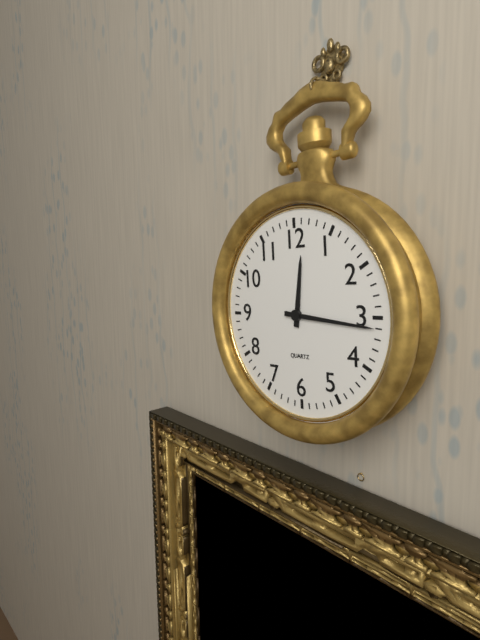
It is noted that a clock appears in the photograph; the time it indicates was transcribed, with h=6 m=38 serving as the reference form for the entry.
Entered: h=12 m=16
